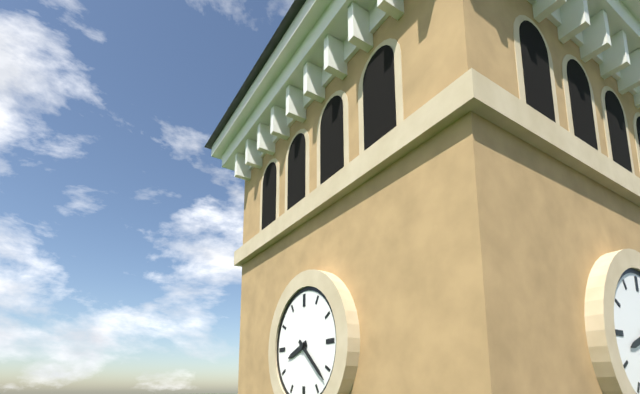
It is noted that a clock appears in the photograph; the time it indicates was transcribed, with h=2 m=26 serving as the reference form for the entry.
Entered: h=8 m=22
